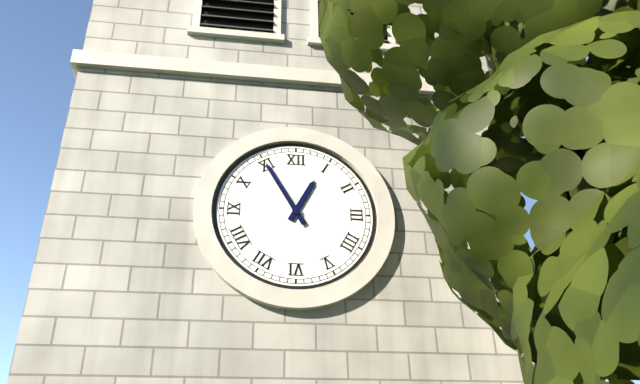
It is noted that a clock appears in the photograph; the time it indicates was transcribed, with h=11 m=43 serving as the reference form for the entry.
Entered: h=12 m=55
